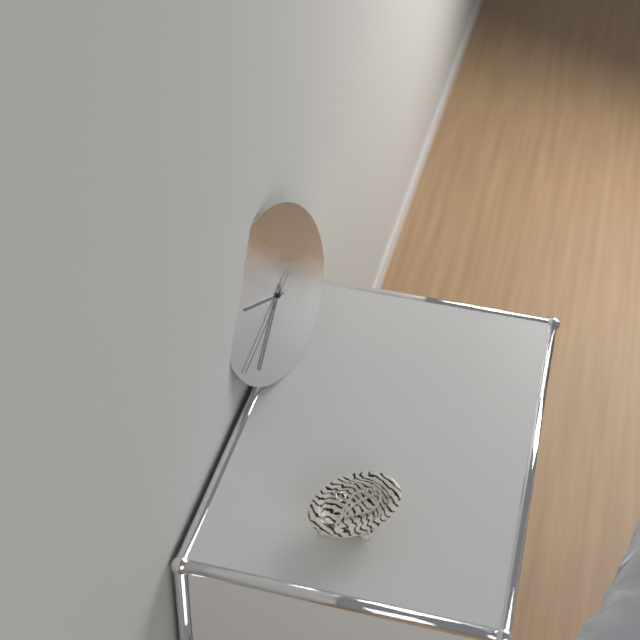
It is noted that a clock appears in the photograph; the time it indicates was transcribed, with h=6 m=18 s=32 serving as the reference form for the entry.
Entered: h=9 m=37 s=40
